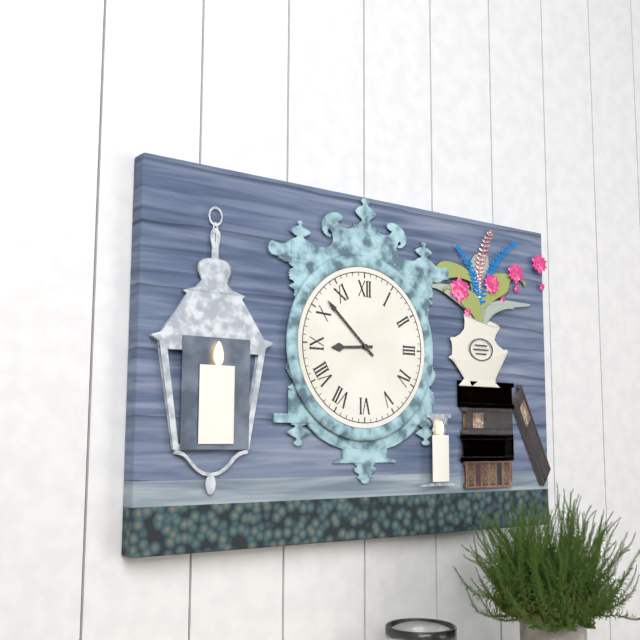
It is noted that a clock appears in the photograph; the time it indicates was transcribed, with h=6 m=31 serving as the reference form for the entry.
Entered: h=8 m=52
